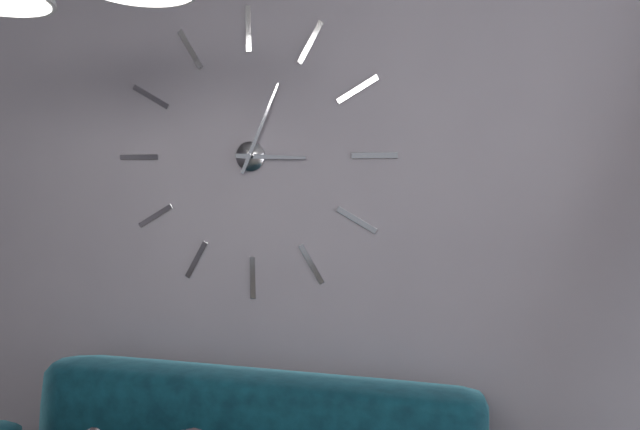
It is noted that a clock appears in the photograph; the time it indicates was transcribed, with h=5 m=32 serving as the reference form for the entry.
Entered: h=3 m=4
